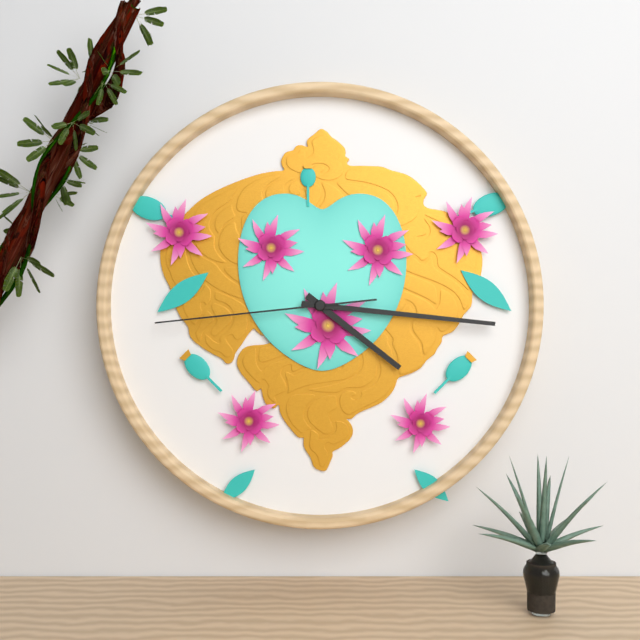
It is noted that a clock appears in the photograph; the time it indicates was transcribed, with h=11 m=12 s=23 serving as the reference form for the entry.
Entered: h=4 m=16 s=44
